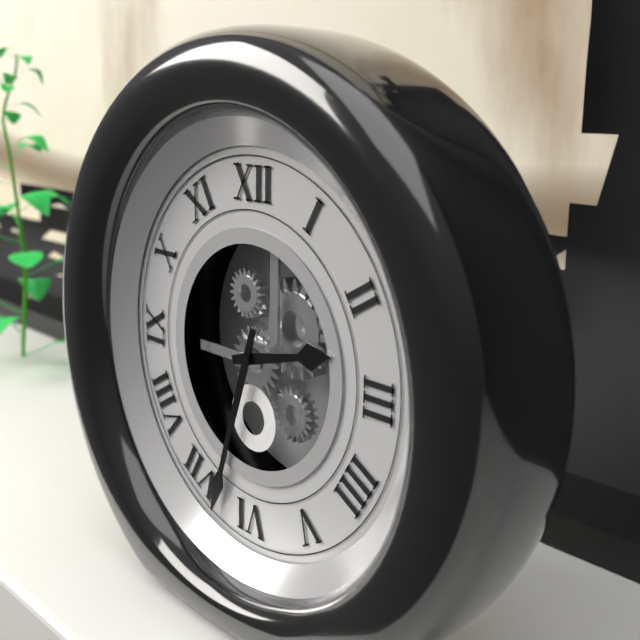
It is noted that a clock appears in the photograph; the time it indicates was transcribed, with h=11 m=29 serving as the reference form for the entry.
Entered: h=2 m=33
